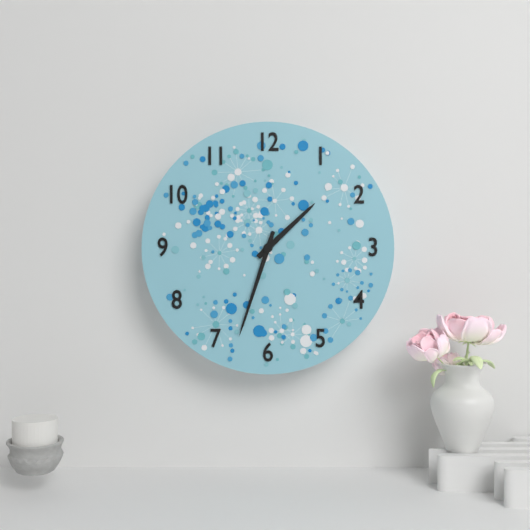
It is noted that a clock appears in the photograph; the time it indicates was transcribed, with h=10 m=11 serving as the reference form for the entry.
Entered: h=1 m=33
